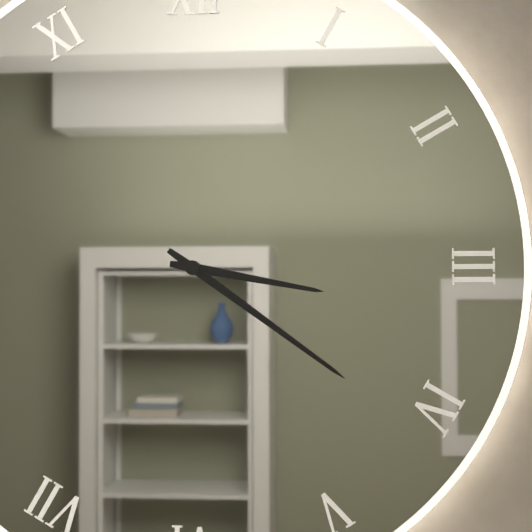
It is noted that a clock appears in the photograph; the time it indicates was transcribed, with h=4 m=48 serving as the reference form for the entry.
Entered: h=3 m=21
